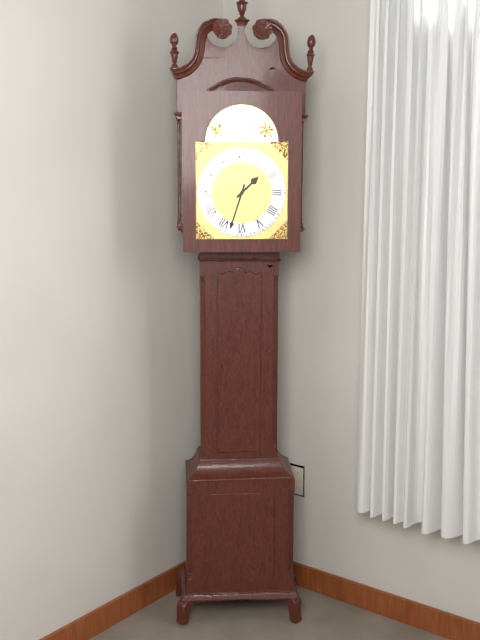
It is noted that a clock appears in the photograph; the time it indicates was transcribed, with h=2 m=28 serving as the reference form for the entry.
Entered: h=1 m=33
